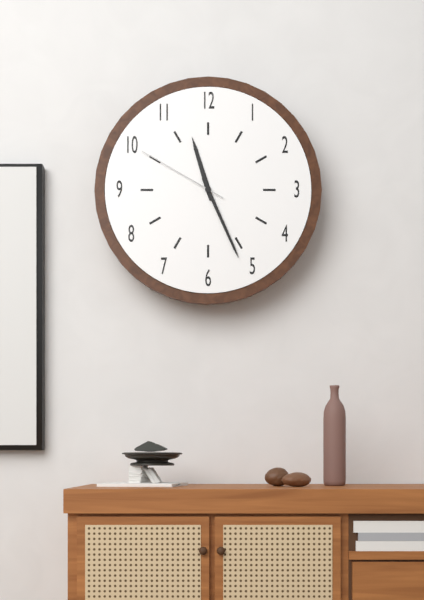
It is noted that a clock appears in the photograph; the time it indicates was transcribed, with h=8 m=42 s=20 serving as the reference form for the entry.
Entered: h=11 m=26 s=50
